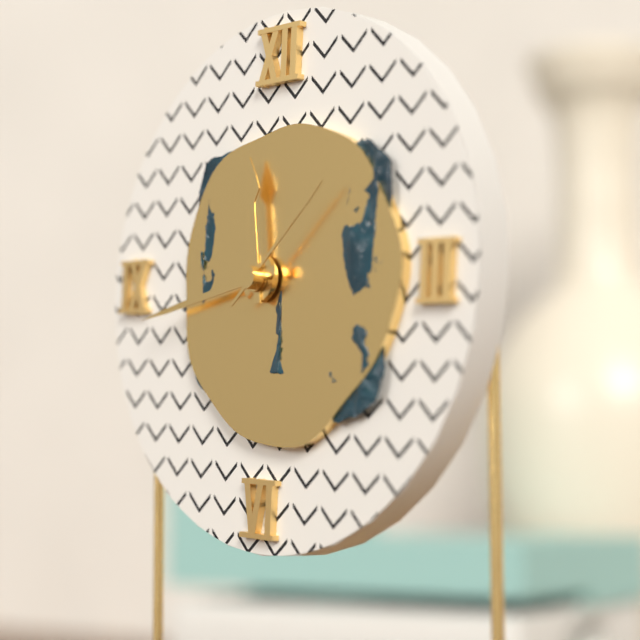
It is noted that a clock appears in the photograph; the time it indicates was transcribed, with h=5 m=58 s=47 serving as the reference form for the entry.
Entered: h=11 m=43 s=8
